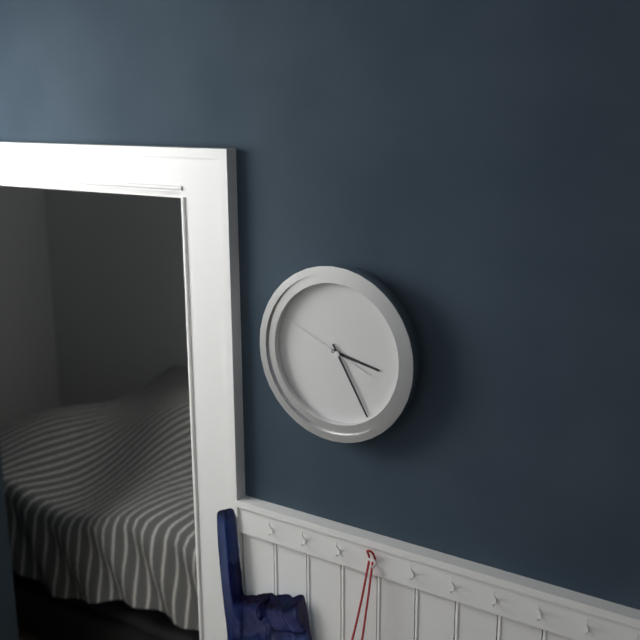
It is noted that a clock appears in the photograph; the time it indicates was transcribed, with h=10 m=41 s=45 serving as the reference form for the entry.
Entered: h=3 m=25 s=49
